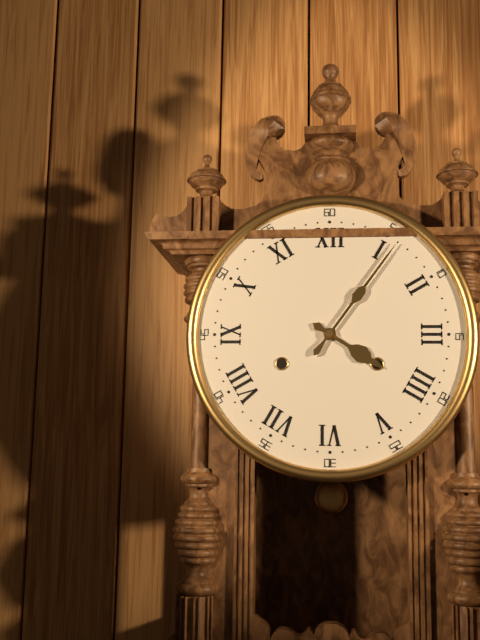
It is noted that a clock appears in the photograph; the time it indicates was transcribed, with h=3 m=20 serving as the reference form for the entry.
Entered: h=4 m=6
